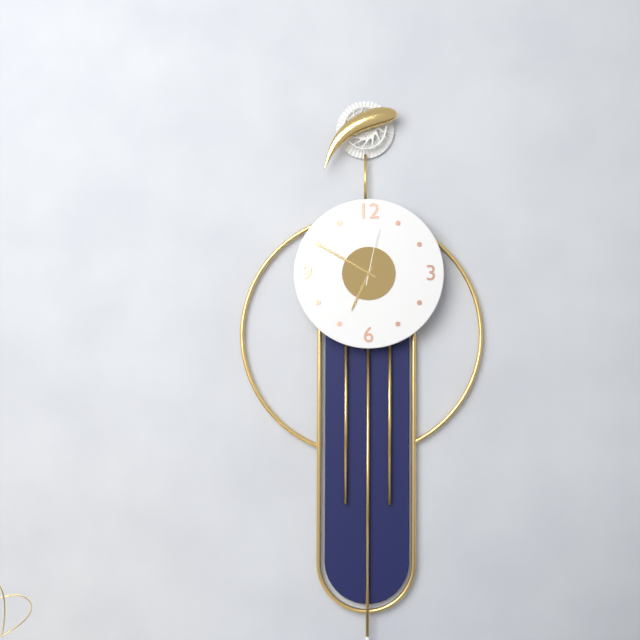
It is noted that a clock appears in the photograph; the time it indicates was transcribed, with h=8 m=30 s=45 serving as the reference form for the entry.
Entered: h=6 m=50 s=2
